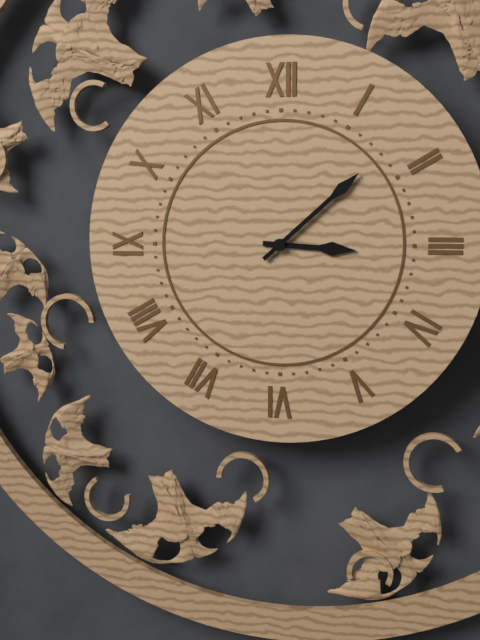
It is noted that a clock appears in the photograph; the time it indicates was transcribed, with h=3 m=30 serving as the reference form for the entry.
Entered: h=3 m=8
